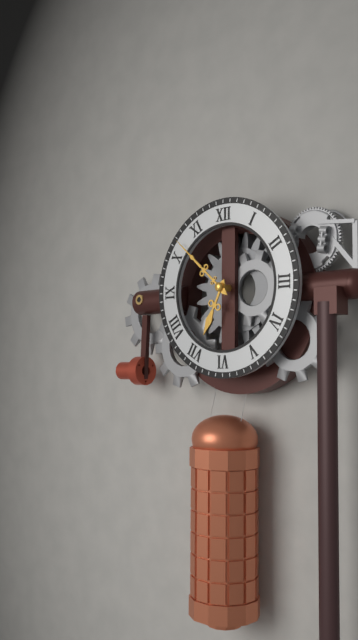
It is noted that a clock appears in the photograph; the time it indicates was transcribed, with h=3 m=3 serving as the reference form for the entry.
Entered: h=6 m=52
